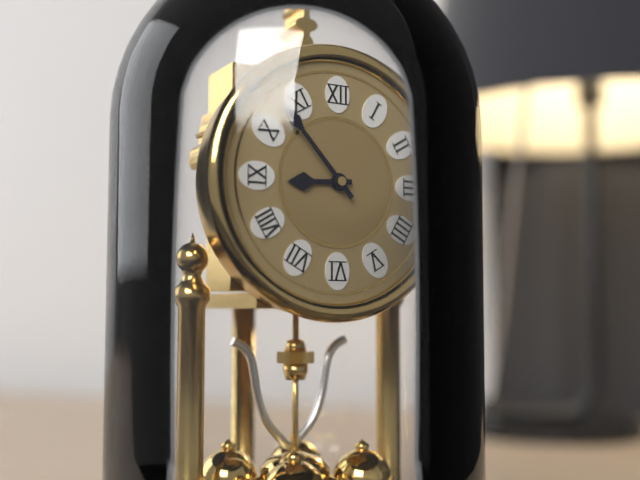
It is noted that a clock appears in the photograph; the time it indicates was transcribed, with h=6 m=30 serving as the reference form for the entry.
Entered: h=8 m=53
